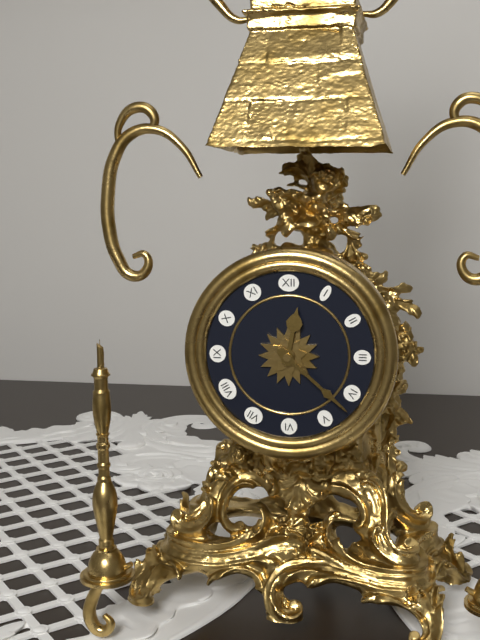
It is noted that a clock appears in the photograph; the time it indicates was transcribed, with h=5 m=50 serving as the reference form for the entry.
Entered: h=12 m=22
